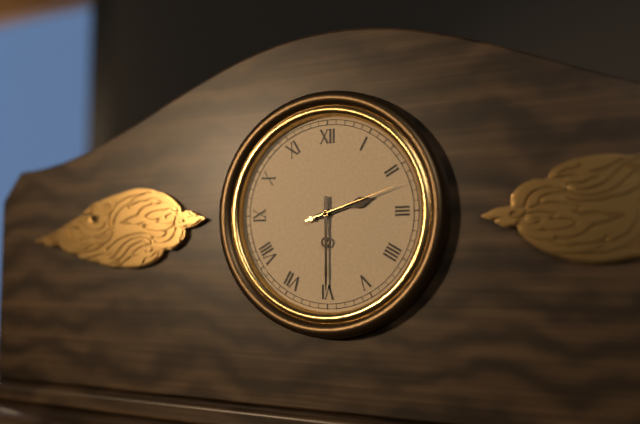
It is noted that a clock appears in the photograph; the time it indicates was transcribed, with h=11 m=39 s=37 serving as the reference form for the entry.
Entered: h=2 m=30 s=12
